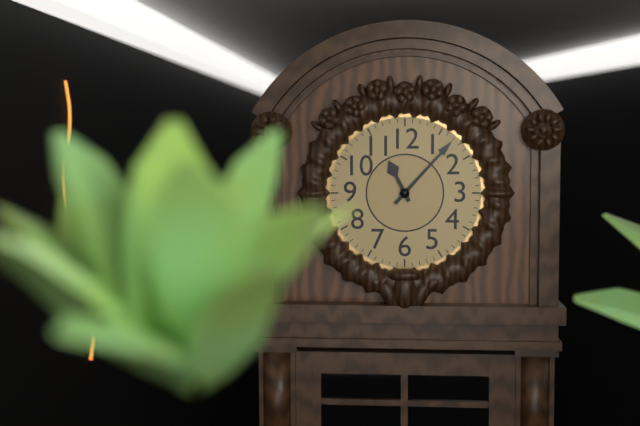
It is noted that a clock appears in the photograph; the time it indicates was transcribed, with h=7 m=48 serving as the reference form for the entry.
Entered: h=11 m=7
